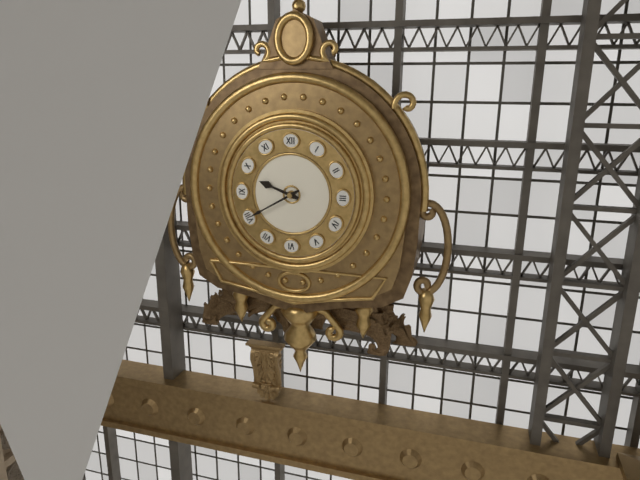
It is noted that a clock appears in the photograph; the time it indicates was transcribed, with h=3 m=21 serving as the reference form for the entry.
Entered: h=9 m=40
